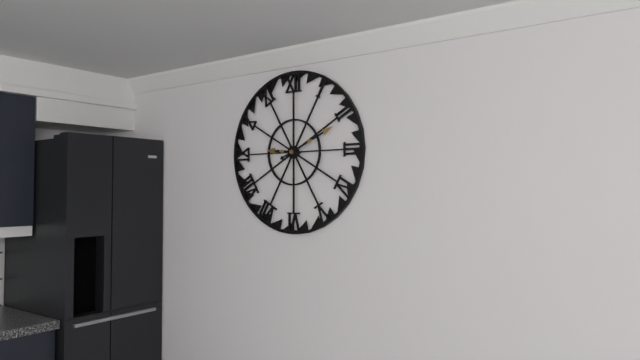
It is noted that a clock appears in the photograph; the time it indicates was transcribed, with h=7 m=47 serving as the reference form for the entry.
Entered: h=9 m=11
